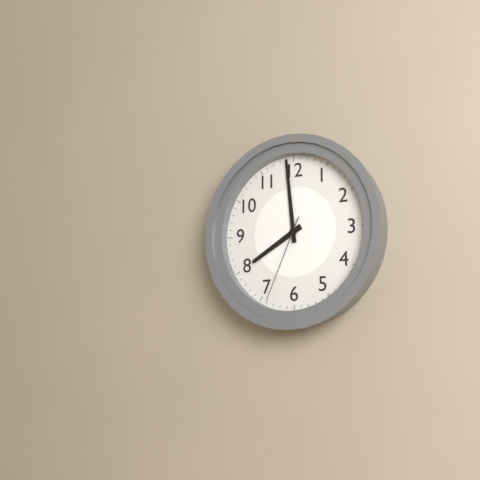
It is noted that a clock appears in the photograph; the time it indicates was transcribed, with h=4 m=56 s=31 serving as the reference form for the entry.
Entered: h=7 m=59 s=34
